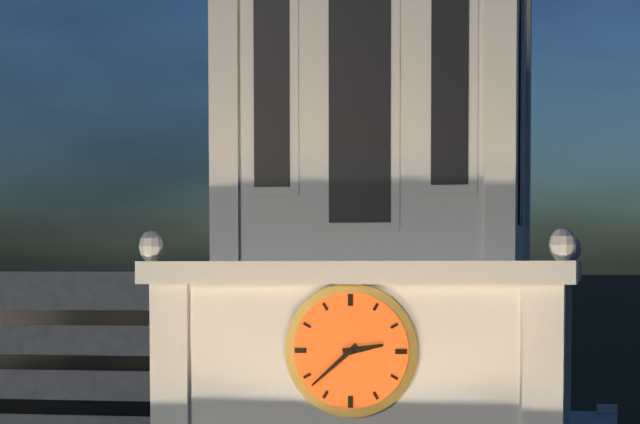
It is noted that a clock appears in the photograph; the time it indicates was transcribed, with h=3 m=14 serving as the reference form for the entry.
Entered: h=2 m=38
